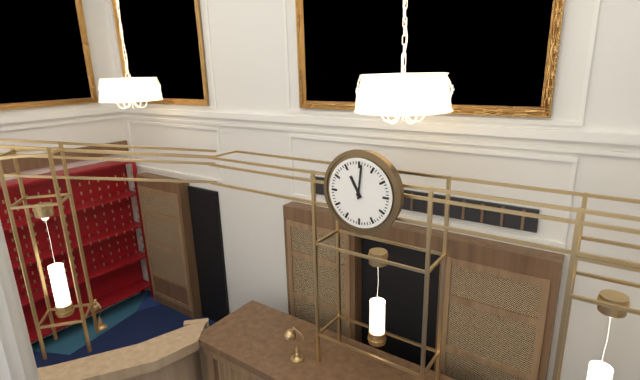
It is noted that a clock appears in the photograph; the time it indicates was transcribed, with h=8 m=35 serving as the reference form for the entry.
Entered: h=11 m=1
